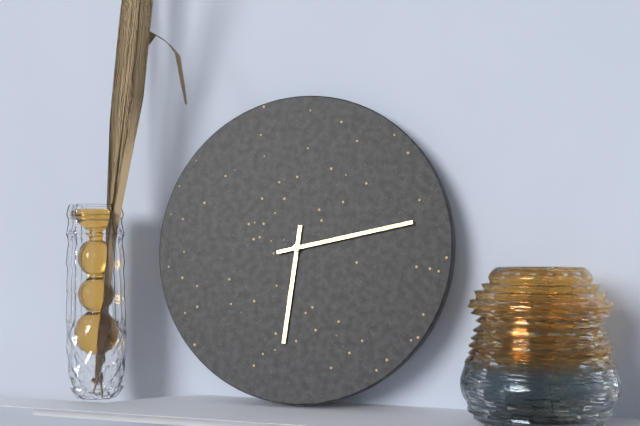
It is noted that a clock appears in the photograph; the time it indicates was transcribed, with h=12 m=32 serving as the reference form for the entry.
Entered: h=6 m=13
